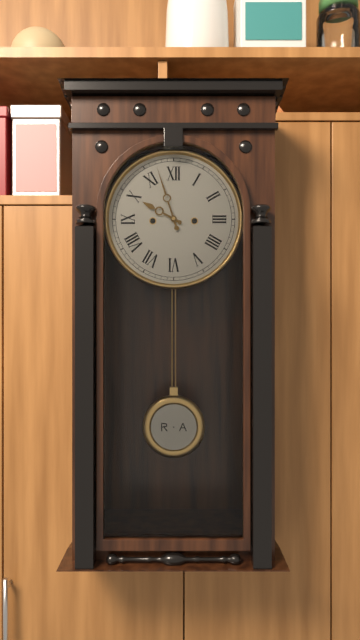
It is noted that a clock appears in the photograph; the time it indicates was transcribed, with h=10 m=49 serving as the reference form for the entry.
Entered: h=9 m=57
